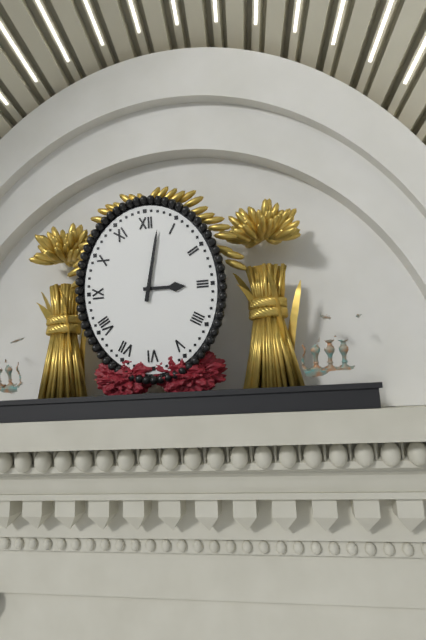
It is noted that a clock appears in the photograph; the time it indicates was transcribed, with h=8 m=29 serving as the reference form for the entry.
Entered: h=3 m=2
